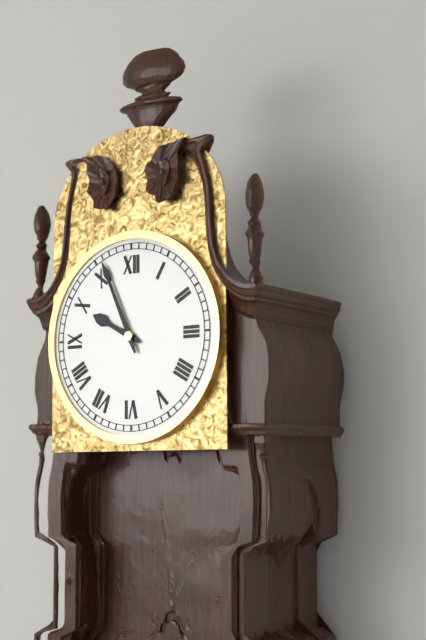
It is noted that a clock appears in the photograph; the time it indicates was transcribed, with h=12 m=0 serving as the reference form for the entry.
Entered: h=9 m=56
